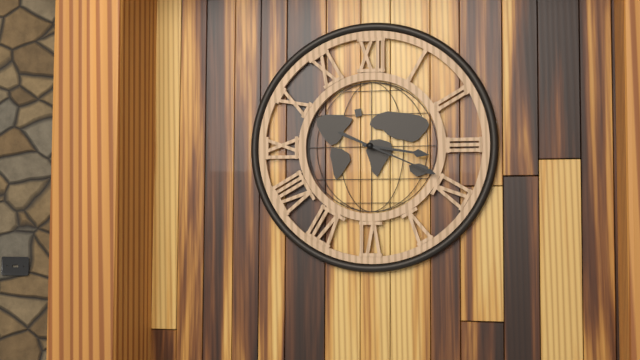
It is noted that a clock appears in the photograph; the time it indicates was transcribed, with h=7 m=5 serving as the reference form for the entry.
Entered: h=3 m=19
